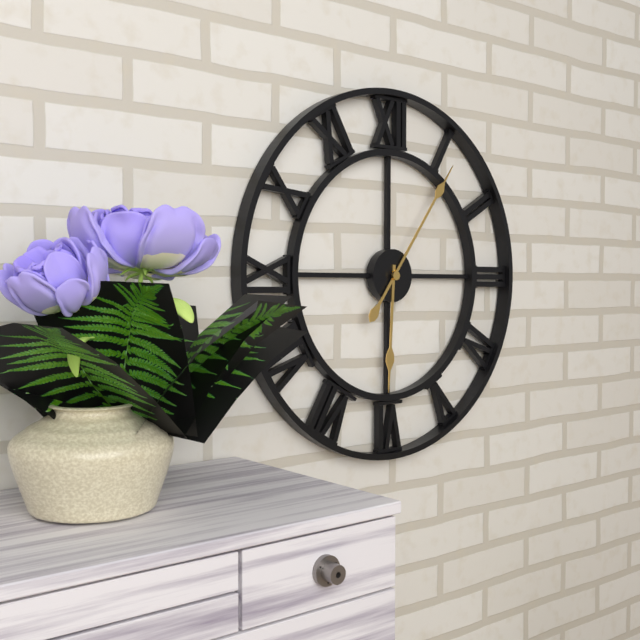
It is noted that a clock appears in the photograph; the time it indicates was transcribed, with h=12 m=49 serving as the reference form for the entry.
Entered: h=6 m=6
